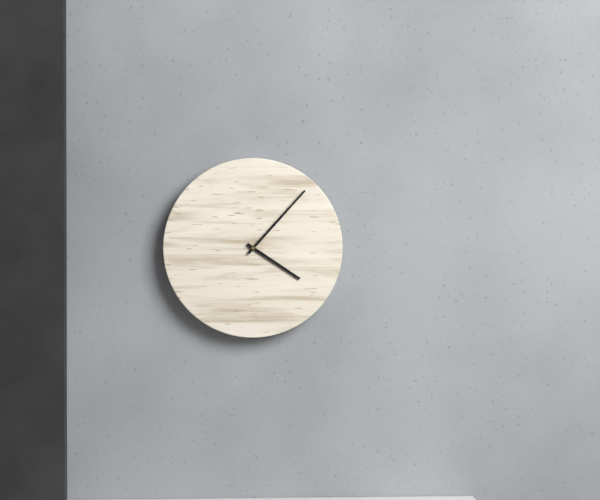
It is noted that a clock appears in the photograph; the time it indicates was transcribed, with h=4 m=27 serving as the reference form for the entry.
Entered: h=4 m=7
